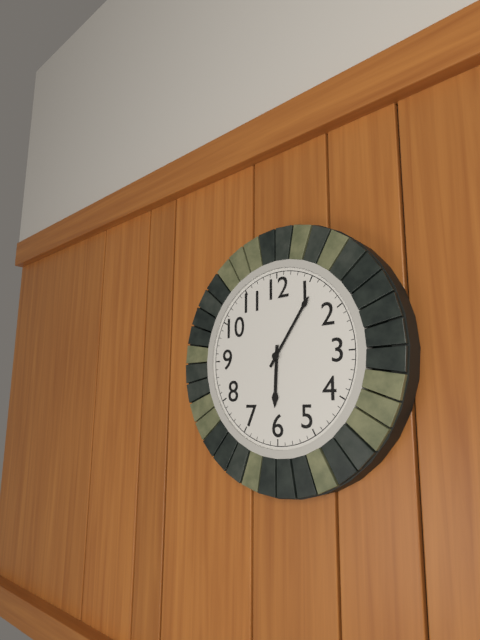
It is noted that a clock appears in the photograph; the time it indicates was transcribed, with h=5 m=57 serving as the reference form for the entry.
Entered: h=6 m=6
